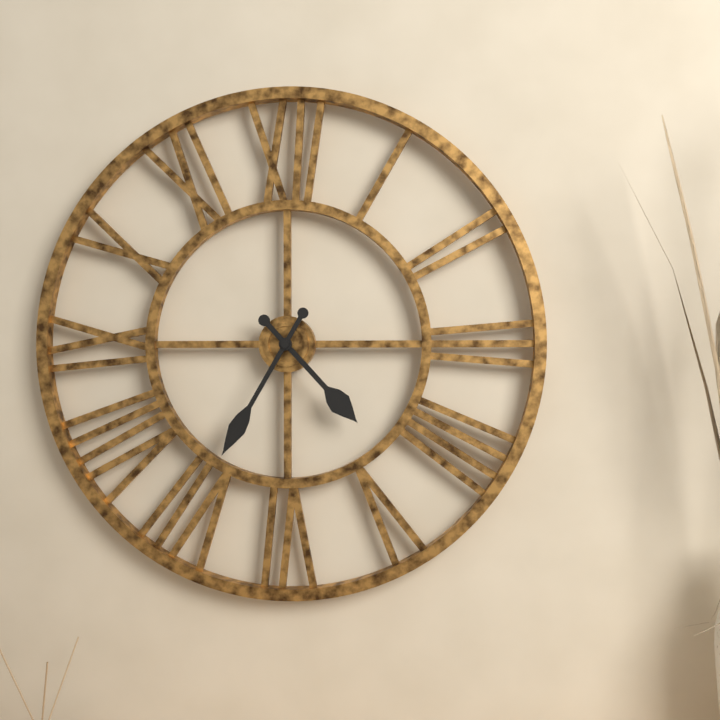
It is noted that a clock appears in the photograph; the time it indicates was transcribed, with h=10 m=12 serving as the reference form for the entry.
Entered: h=4 m=35
